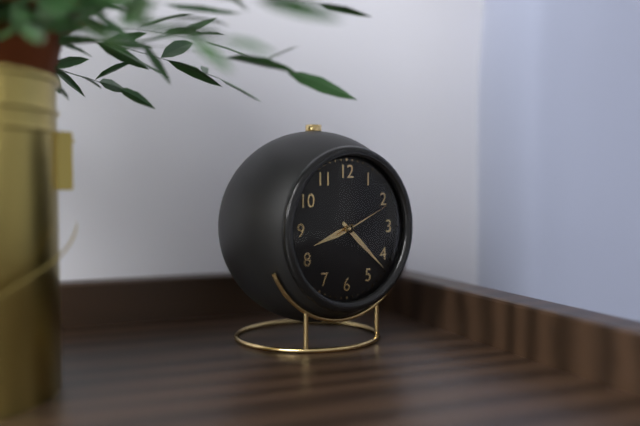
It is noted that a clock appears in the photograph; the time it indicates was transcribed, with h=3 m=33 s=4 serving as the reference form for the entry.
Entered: h=8 m=22 s=11
